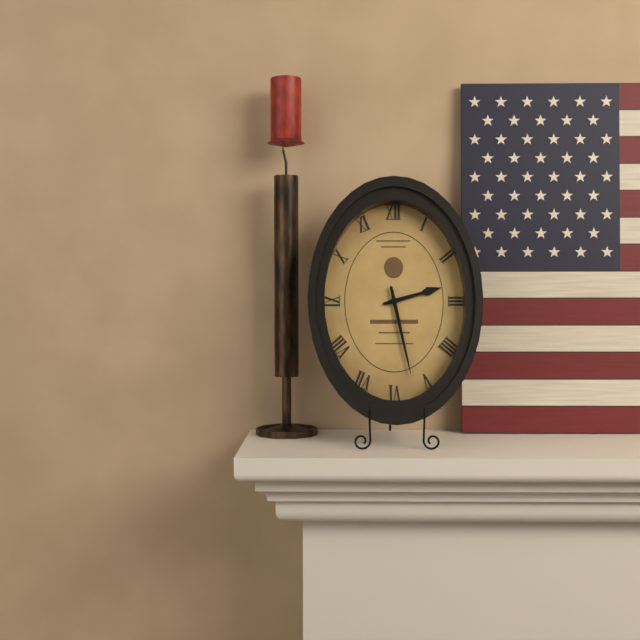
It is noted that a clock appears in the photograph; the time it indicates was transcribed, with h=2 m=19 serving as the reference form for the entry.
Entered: h=2 m=28
